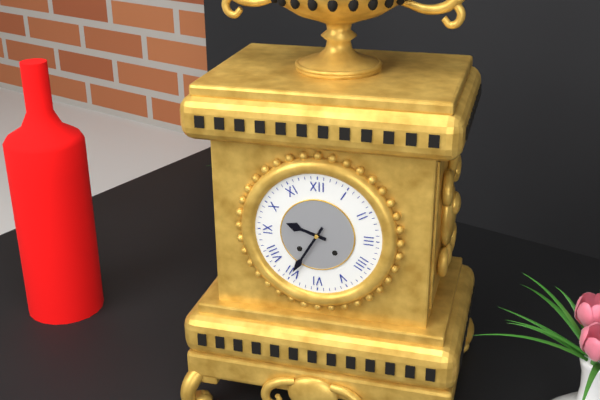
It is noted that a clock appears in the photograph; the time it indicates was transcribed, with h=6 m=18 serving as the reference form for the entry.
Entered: h=9 m=35
